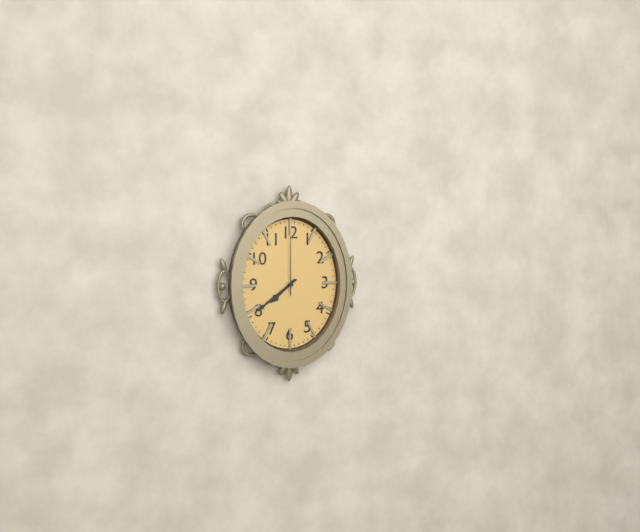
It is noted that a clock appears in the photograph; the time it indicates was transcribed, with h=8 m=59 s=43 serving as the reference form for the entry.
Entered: h=7 m=39 s=0
